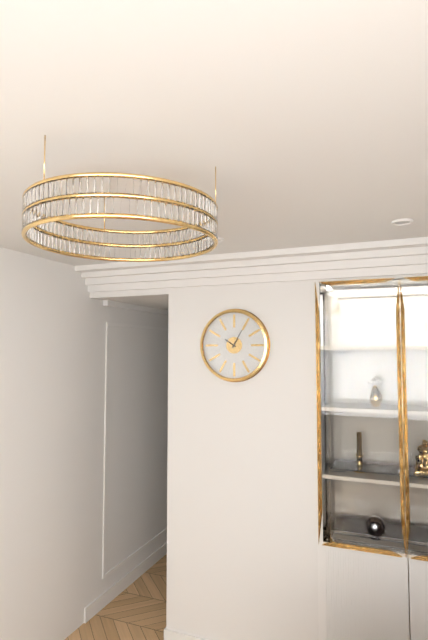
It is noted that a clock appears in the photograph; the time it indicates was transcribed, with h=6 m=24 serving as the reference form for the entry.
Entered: h=10 m=5
